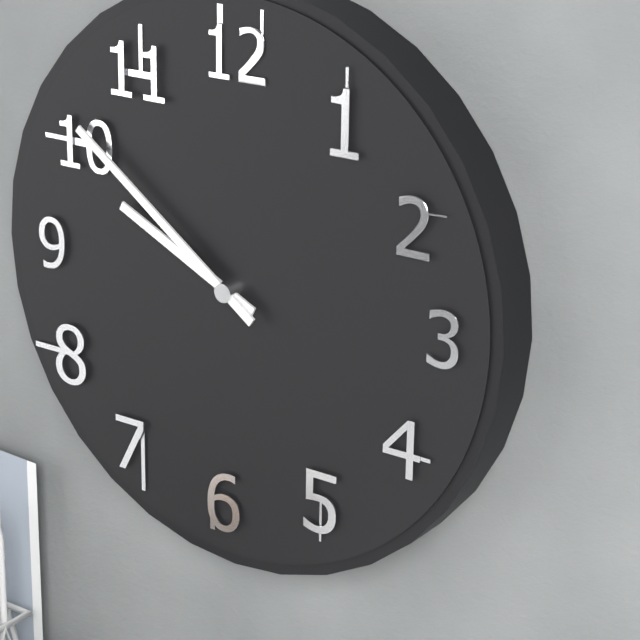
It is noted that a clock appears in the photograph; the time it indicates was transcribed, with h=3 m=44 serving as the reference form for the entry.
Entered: h=9 m=51
